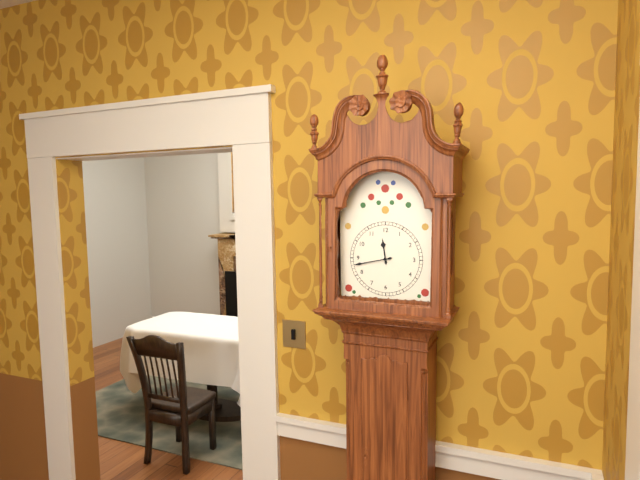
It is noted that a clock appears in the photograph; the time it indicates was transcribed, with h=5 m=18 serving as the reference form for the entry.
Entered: h=11 m=43
